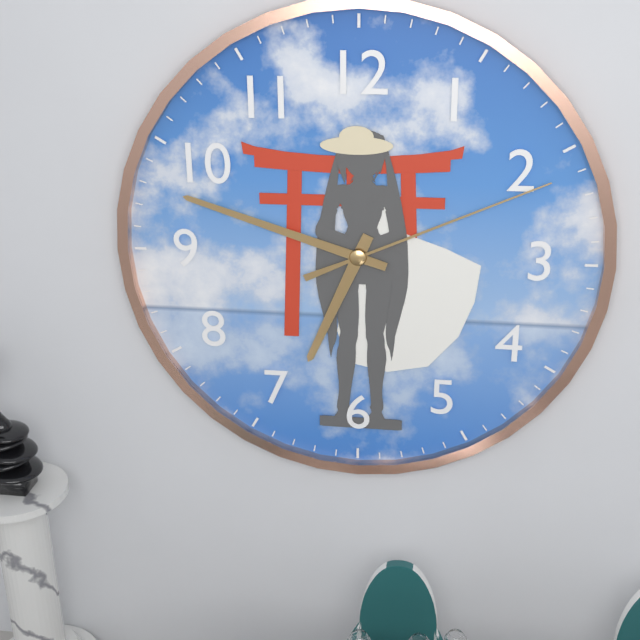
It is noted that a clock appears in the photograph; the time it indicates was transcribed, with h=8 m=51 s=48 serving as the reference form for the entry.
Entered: h=6 m=48 s=11
